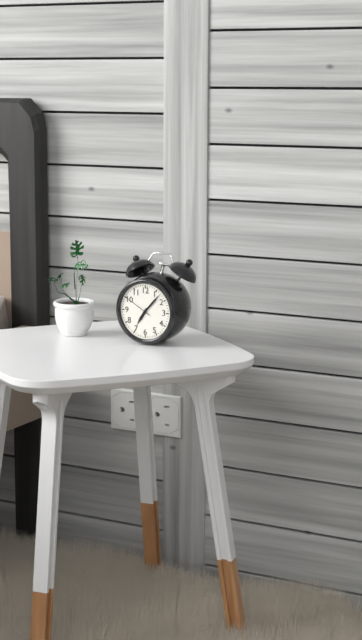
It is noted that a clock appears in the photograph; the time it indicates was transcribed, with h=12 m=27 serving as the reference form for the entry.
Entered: h=7 m=7
